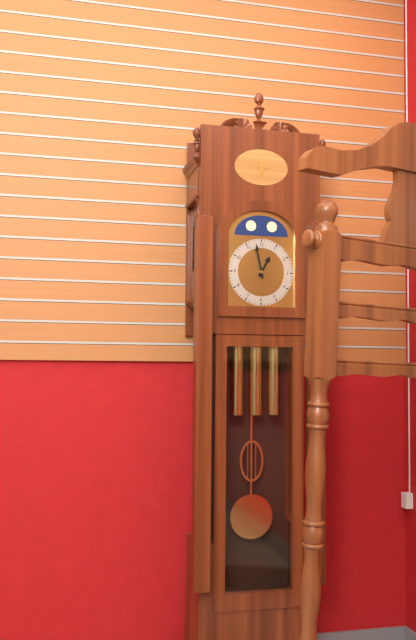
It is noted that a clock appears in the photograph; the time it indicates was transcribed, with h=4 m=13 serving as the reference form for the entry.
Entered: h=12 m=58
